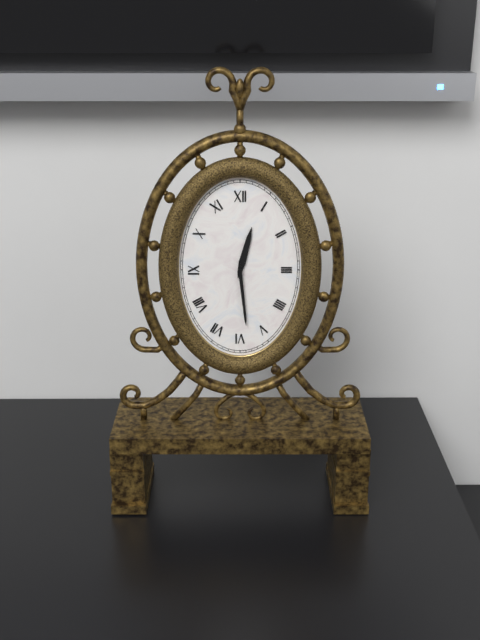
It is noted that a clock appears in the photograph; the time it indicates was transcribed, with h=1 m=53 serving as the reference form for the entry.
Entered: h=12 m=29
